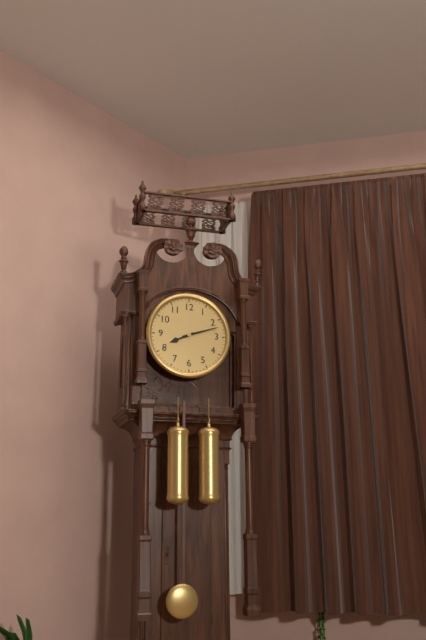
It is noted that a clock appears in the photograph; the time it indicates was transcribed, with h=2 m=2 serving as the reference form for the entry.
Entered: h=8 m=12
